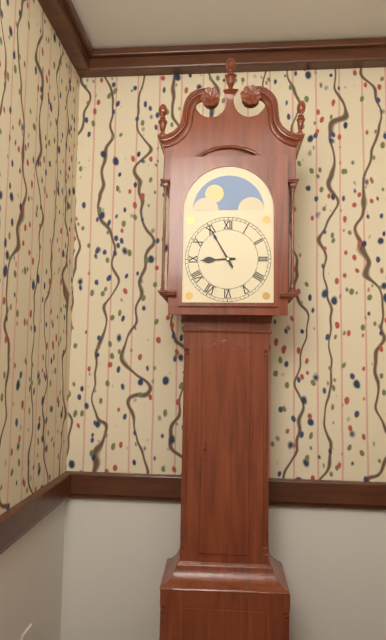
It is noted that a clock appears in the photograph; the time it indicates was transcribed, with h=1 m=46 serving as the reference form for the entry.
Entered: h=8 m=55
